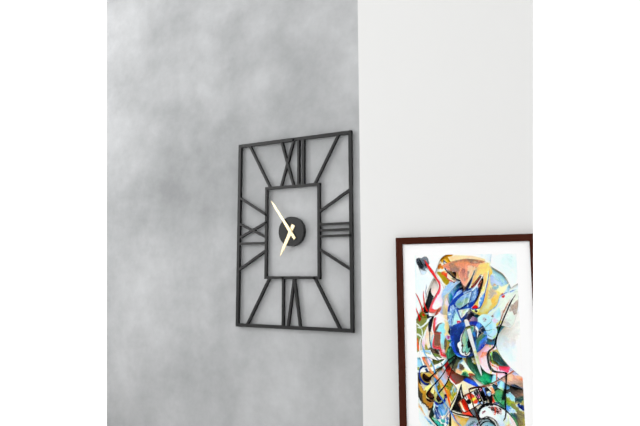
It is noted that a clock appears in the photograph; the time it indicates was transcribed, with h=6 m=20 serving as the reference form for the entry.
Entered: h=6 m=54
